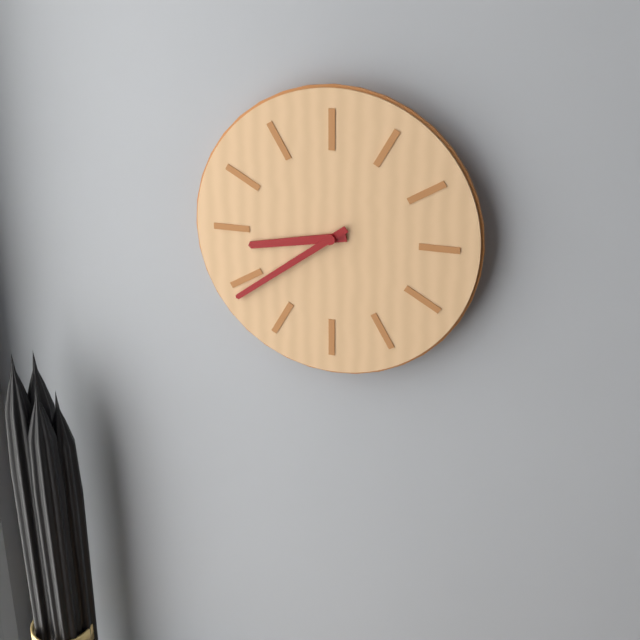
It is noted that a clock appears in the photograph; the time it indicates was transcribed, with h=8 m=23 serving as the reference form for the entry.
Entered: h=8 m=39
